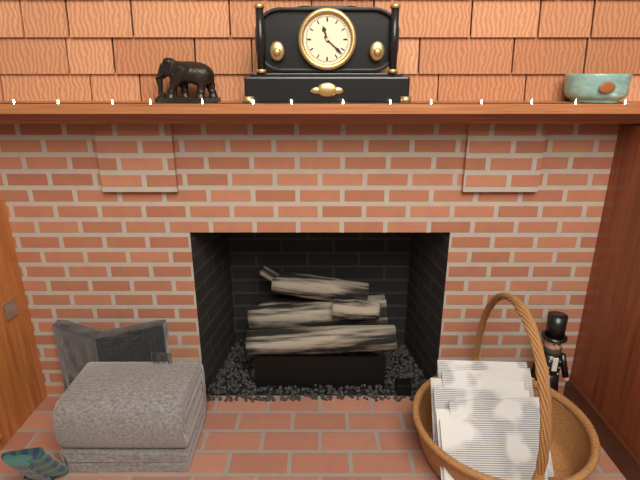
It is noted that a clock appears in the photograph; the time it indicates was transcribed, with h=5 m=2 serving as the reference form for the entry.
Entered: h=11 m=22
